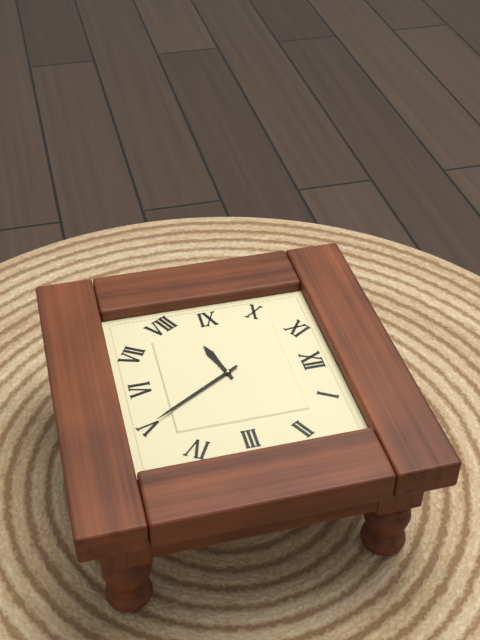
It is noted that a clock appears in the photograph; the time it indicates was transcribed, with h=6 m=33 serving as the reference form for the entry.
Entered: h=8 m=25
